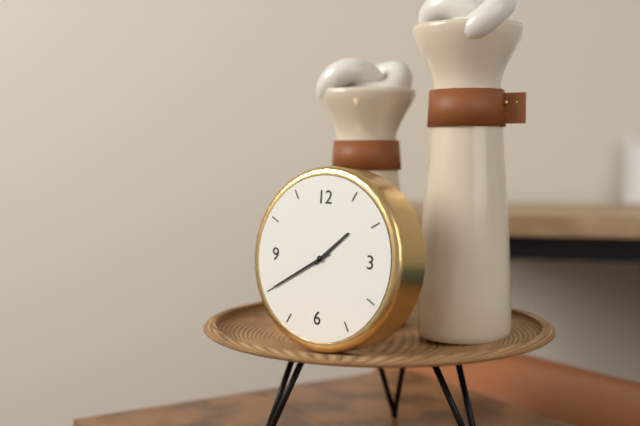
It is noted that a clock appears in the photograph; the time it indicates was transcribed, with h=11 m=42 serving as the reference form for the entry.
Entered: h=1 m=40
